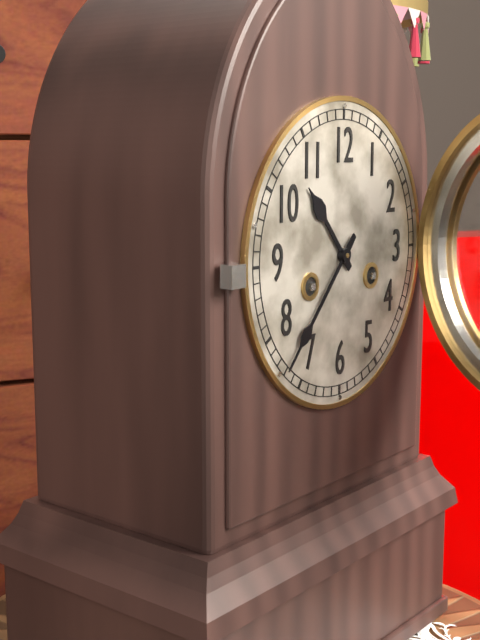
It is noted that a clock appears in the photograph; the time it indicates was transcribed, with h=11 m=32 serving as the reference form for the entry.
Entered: h=10 m=37
